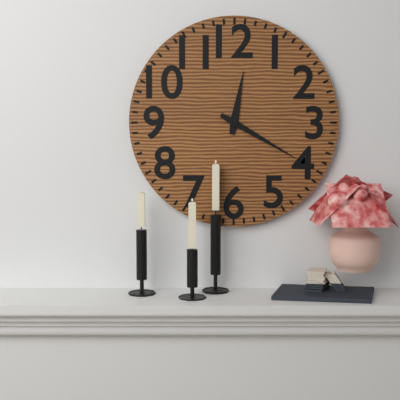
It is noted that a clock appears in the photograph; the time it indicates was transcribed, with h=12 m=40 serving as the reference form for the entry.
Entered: h=12 m=20
